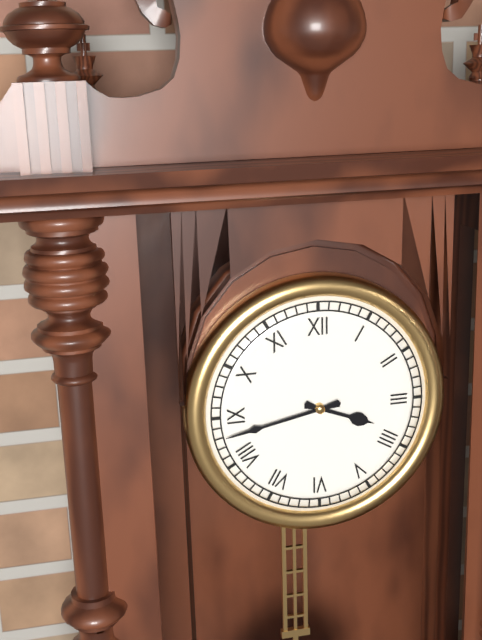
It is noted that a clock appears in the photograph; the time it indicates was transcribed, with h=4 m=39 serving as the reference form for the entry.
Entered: h=3 m=43
